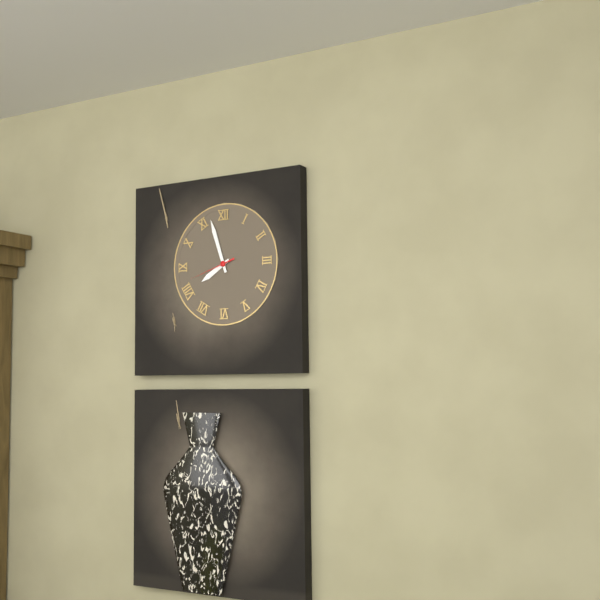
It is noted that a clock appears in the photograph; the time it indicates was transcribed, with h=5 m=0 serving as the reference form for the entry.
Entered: h=7 m=57
